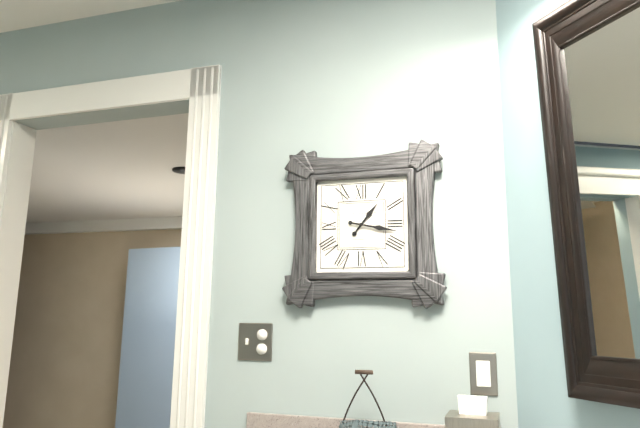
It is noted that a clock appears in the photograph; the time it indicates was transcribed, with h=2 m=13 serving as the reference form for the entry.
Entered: h=1 m=17
